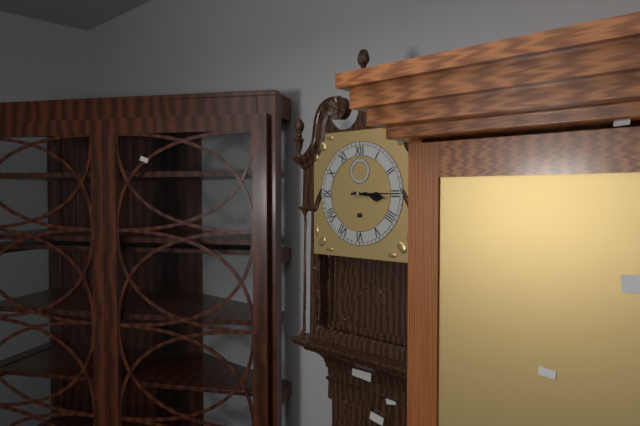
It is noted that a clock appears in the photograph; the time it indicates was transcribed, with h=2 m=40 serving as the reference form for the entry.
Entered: h=3 m=15
